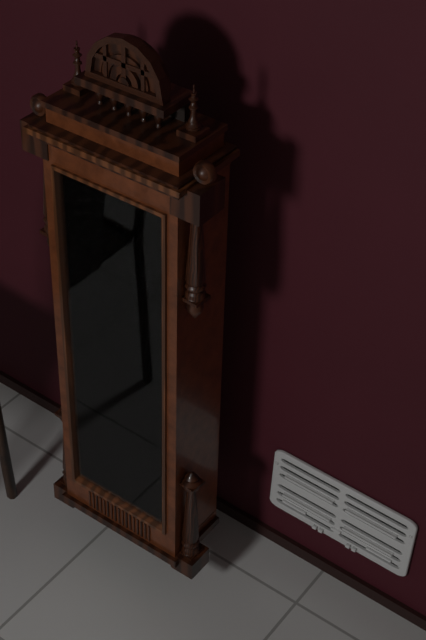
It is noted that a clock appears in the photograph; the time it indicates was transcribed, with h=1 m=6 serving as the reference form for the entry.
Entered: h=10 m=40
